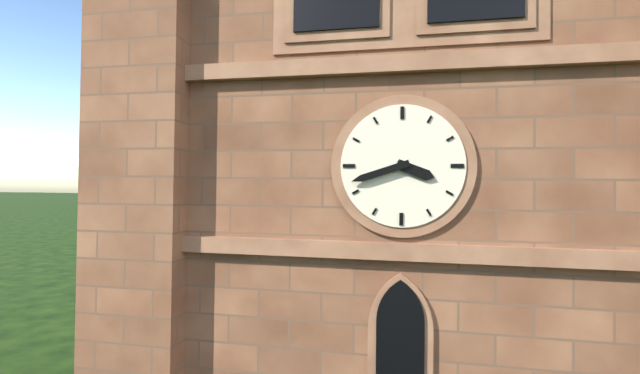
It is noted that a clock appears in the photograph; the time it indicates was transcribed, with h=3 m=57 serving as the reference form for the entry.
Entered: h=3 m=42
